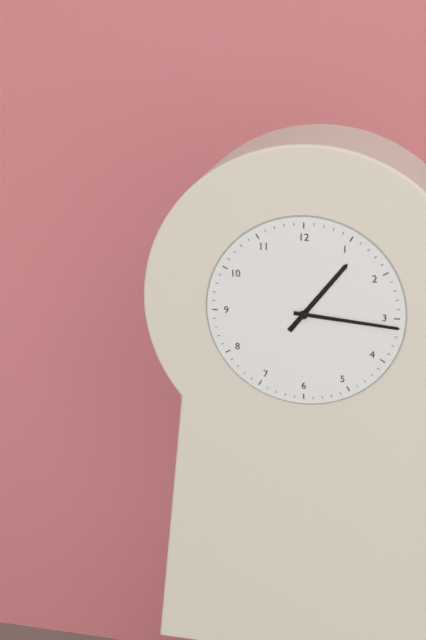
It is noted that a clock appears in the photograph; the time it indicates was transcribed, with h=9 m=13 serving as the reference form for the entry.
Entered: h=1 m=16
